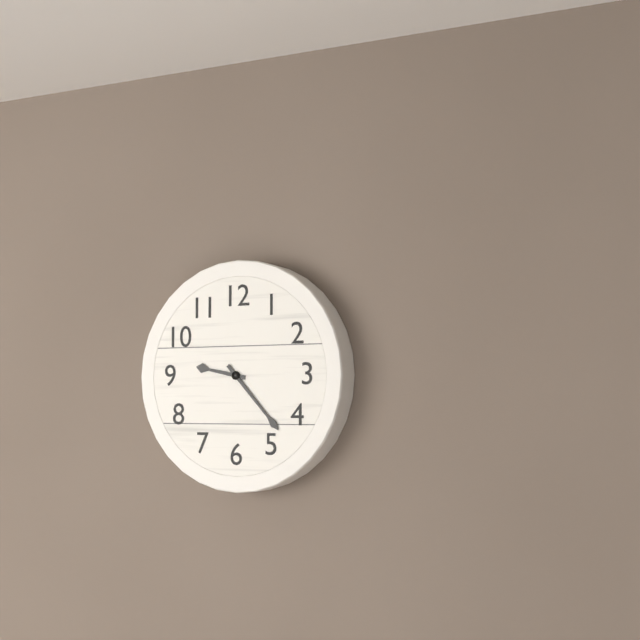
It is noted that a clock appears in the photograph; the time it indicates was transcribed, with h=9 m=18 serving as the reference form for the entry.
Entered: h=9 m=23
